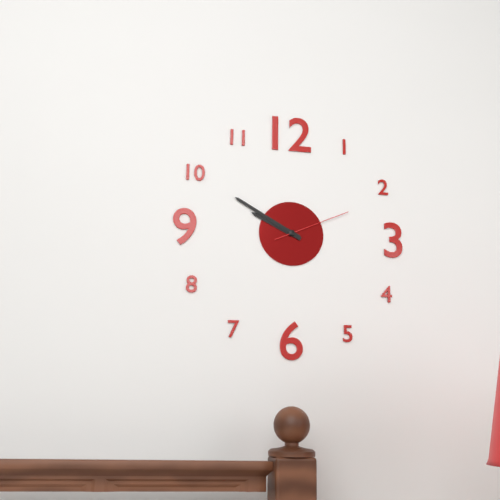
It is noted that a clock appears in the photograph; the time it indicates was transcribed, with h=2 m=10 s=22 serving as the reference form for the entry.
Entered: h=9 m=50 s=11
